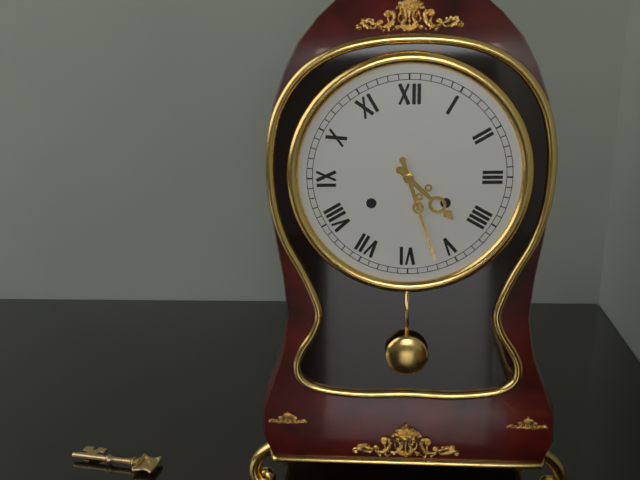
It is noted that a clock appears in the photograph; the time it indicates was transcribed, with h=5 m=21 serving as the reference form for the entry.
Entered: h=4 m=27
